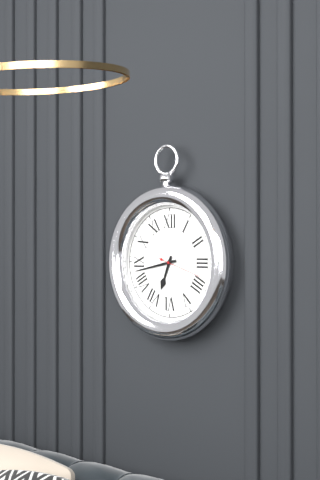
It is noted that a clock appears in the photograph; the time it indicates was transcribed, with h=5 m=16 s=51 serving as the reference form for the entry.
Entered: h=6 m=43 s=18
